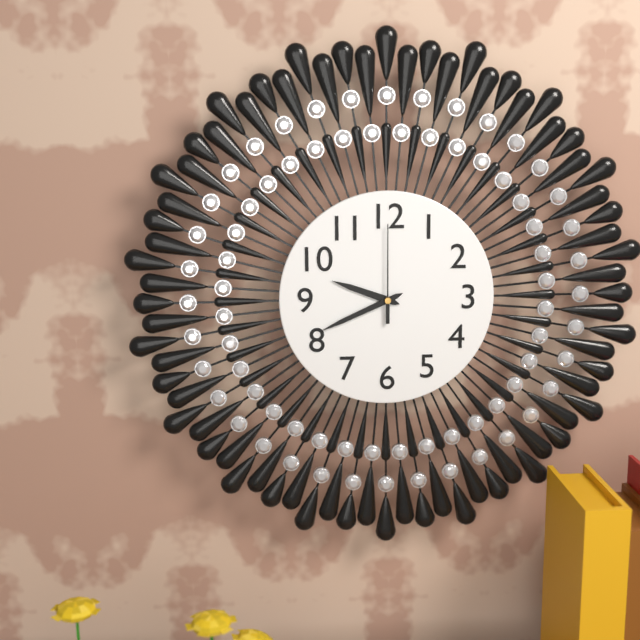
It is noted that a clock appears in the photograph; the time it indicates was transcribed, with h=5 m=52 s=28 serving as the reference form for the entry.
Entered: h=9 m=41 s=0
